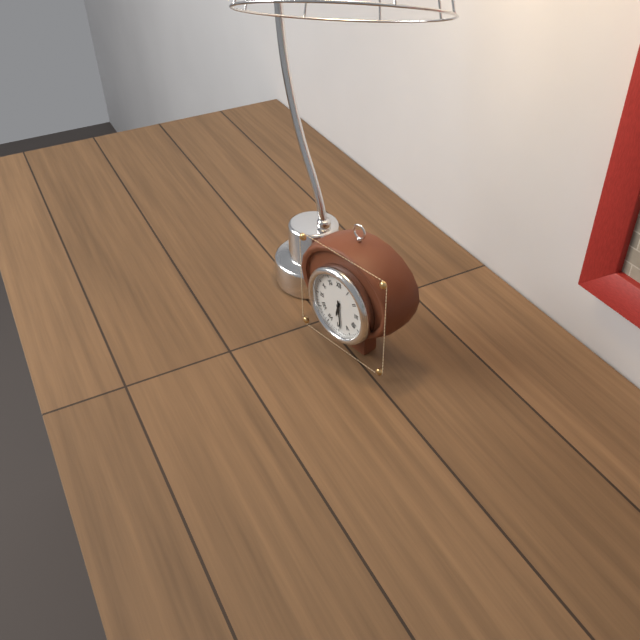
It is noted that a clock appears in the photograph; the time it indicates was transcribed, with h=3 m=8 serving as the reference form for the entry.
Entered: h=6 m=29
